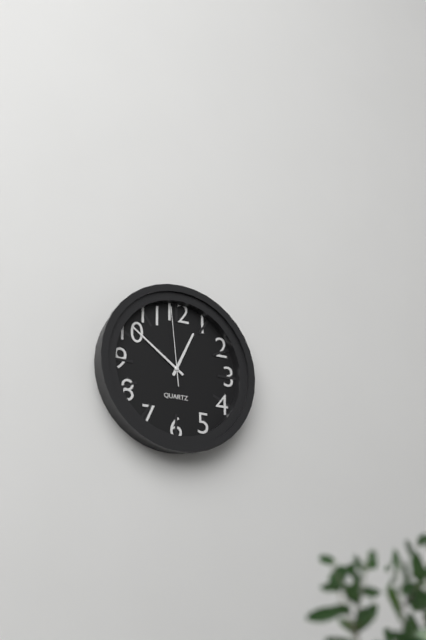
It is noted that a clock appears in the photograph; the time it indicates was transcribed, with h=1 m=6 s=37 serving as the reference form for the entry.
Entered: h=12 m=51 s=59
